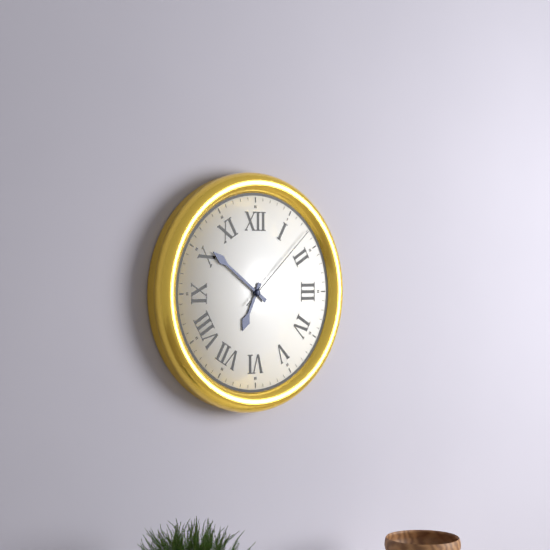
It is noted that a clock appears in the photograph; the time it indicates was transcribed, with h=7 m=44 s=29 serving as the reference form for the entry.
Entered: h=6 m=51 s=8
